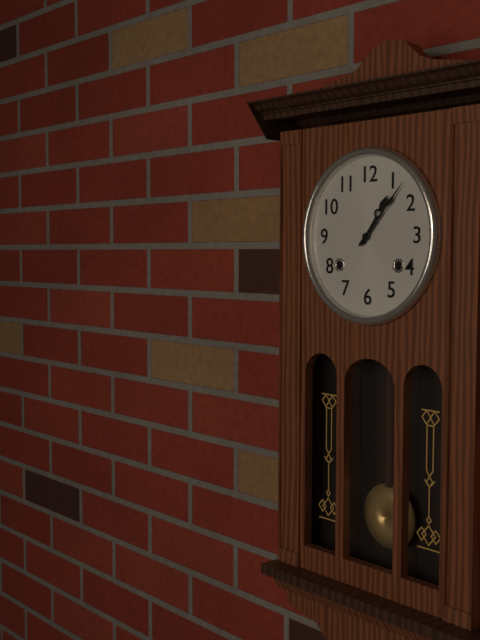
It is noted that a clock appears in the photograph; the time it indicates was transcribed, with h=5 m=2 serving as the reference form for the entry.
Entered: h=1 m=7
